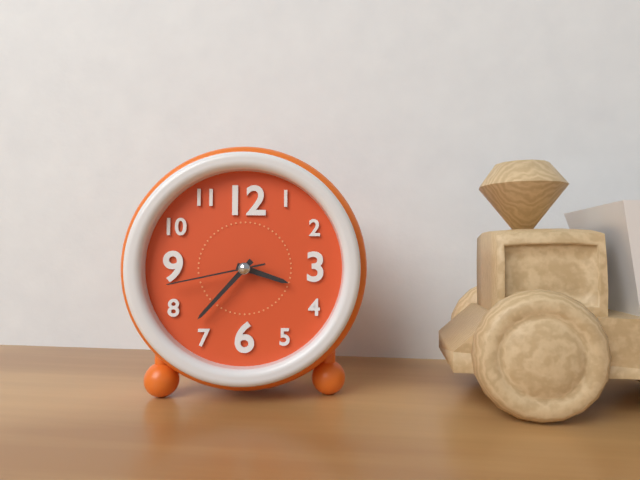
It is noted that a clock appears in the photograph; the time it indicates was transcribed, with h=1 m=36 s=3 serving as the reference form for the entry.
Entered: h=3 m=37 s=43
